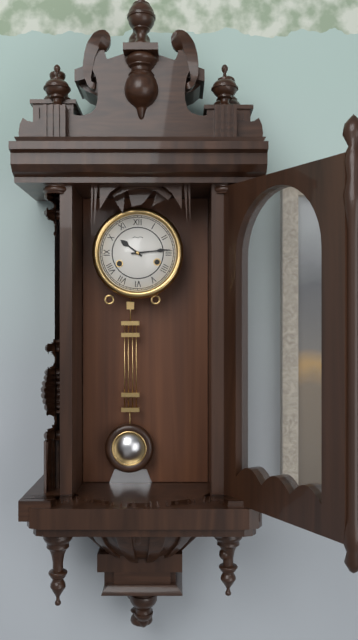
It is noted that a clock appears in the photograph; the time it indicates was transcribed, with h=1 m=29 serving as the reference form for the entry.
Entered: h=10 m=14
